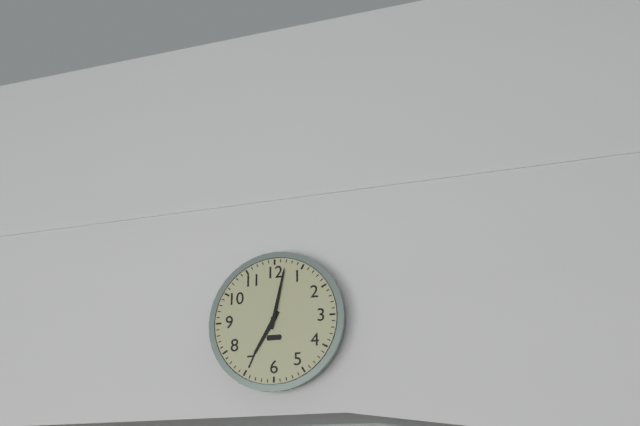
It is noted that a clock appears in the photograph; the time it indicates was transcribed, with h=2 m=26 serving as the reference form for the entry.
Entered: h=7 m=2
